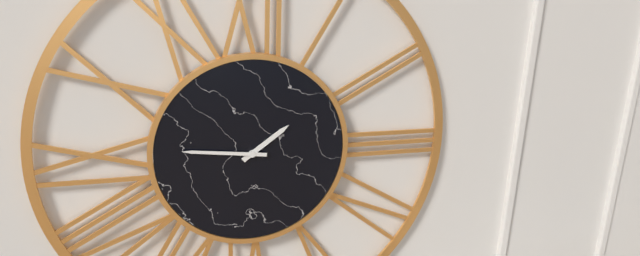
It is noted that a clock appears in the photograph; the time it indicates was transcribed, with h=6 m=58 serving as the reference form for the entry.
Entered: h=1 m=46
